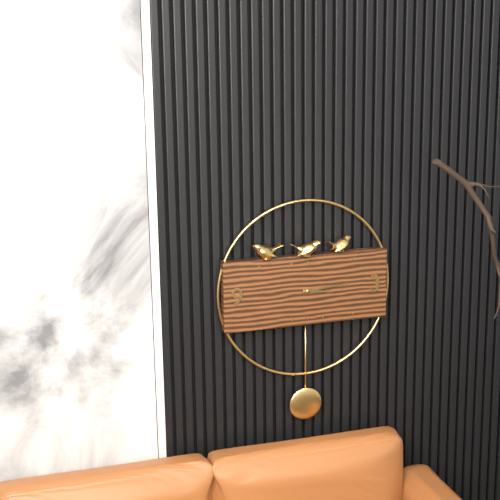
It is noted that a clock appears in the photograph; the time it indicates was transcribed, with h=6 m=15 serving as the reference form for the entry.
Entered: h=3 m=14
